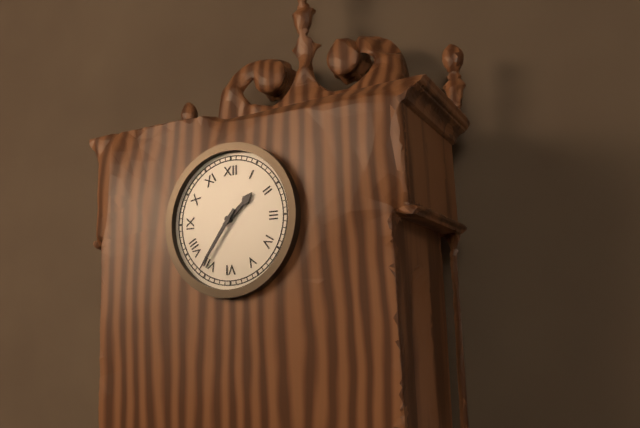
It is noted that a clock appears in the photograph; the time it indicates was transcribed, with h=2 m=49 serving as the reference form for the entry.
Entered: h=1 m=36
